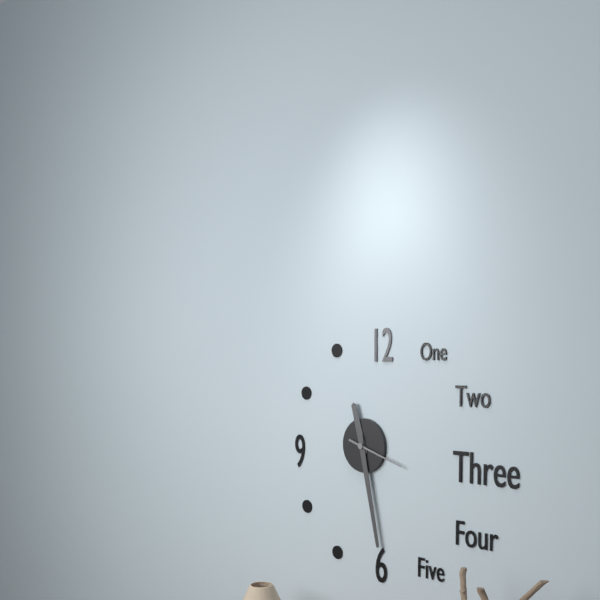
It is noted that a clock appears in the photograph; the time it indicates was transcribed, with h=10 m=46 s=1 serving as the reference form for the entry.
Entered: h=11 m=28 s=18
